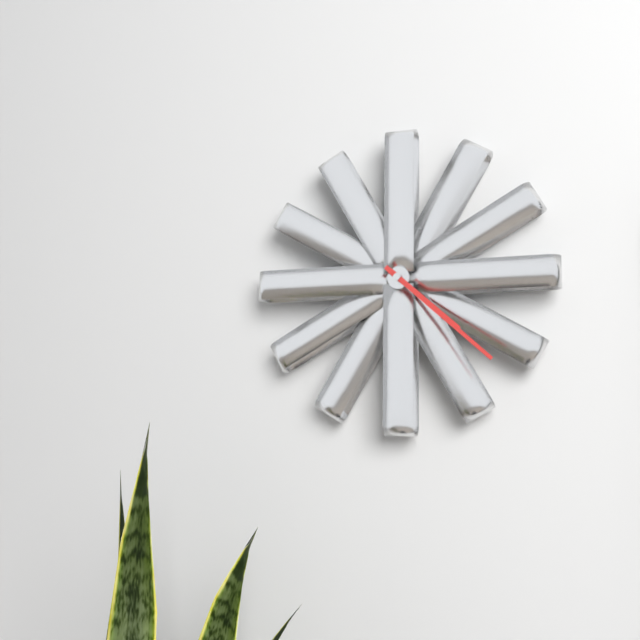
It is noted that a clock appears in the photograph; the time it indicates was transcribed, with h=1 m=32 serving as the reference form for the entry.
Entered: h=4 m=22
